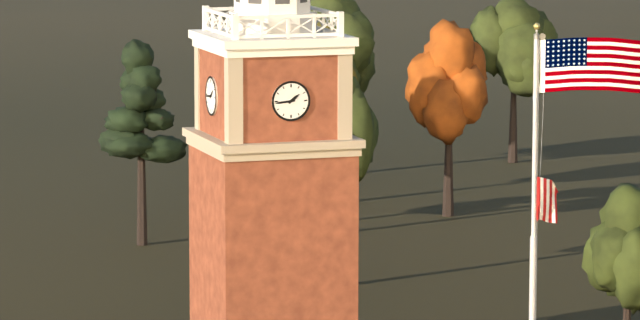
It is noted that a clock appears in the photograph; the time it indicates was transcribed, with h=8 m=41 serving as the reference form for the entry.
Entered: h=1 m=44
